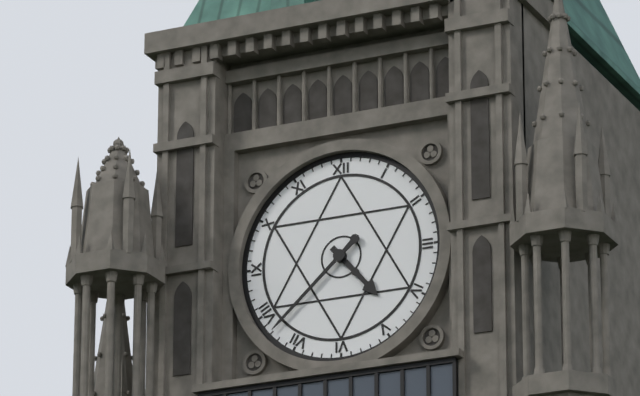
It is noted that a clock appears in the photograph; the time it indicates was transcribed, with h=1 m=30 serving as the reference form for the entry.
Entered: h=4 m=38
